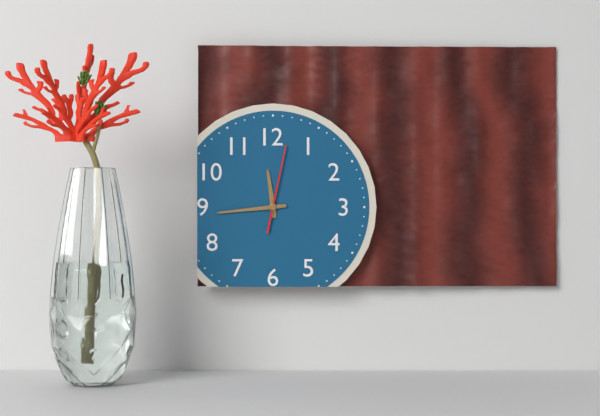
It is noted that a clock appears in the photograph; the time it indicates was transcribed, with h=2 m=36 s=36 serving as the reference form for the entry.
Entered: h=11 m=44 s=2
